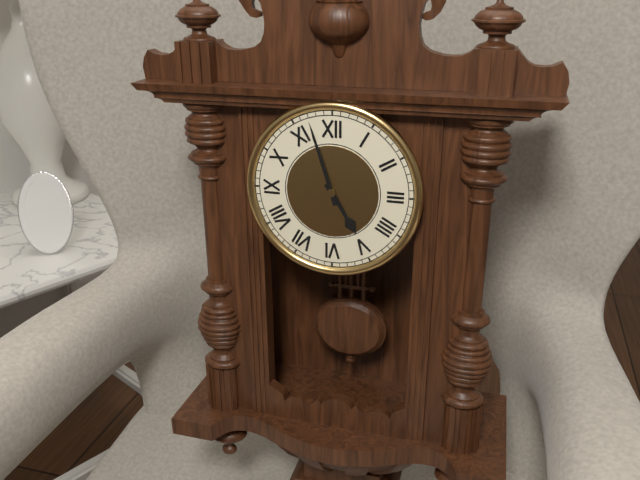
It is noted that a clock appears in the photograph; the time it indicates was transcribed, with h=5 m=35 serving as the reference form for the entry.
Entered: h=4 m=57
